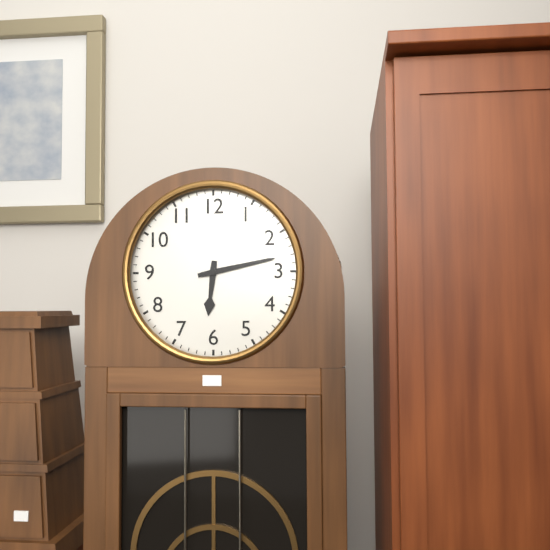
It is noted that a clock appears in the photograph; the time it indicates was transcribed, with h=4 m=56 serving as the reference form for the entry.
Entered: h=6 m=13
